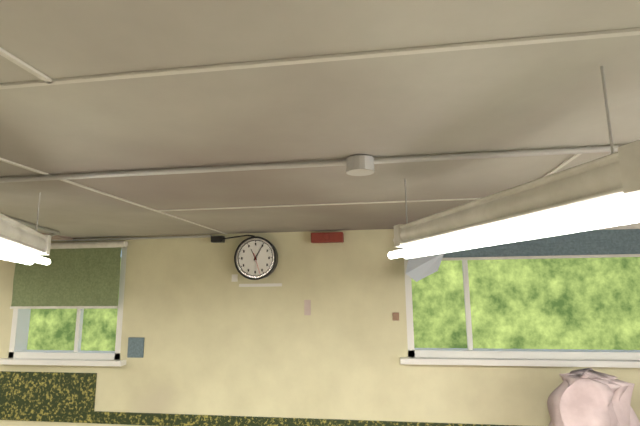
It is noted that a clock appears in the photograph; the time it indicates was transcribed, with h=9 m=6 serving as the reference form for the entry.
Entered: h=11 m=5
